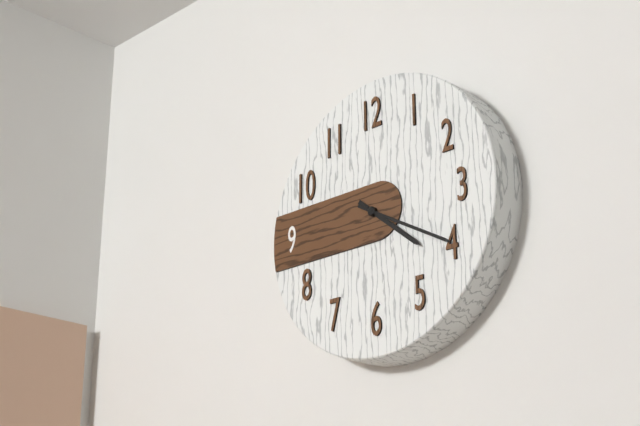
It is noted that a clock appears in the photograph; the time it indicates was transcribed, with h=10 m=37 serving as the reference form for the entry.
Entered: h=4 m=20
